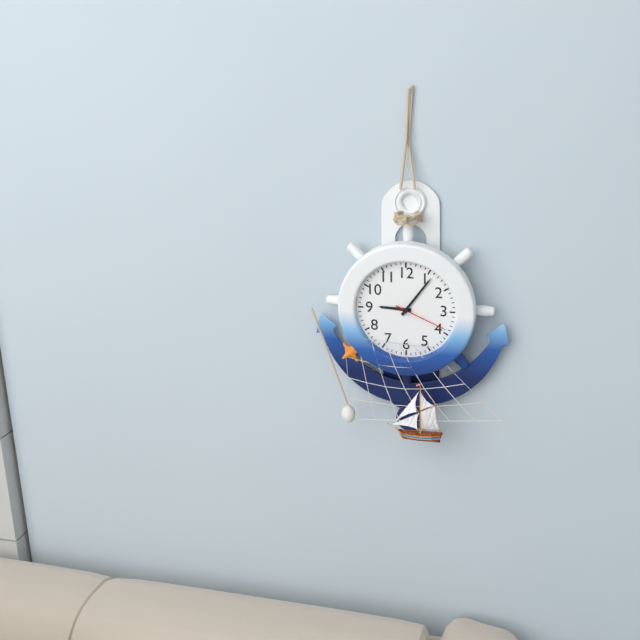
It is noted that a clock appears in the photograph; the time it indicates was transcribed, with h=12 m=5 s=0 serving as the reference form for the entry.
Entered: h=9 m=6 s=19
